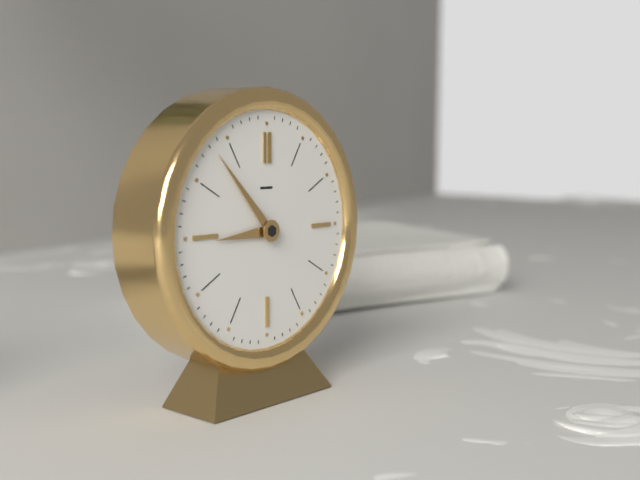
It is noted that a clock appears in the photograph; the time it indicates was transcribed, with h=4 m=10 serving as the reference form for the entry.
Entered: h=8 m=53
